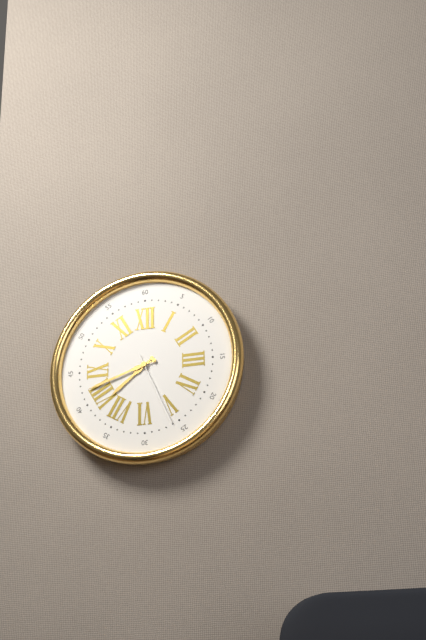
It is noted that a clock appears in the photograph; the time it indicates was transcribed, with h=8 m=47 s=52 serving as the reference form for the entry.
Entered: h=7 m=42 s=26
